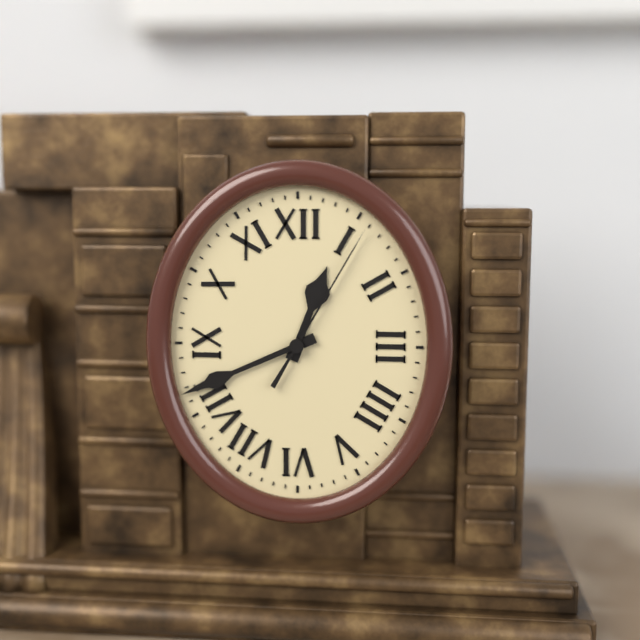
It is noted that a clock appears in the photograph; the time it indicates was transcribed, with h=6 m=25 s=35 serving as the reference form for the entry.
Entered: h=12 m=41 s=5
